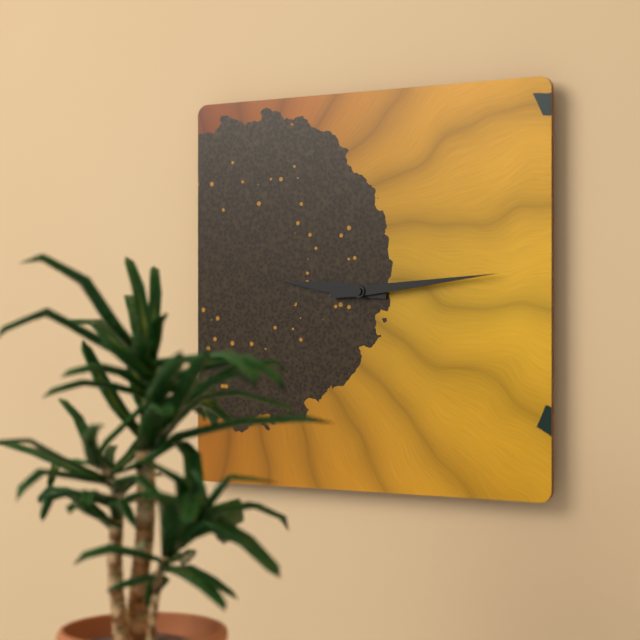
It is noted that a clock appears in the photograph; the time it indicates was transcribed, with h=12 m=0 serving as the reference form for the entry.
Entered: h=9 m=14
